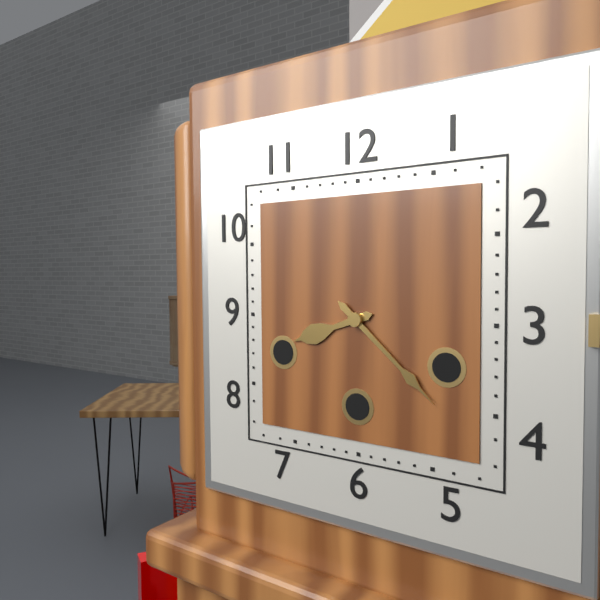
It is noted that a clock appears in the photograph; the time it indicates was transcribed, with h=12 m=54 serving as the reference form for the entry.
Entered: h=8 m=22
